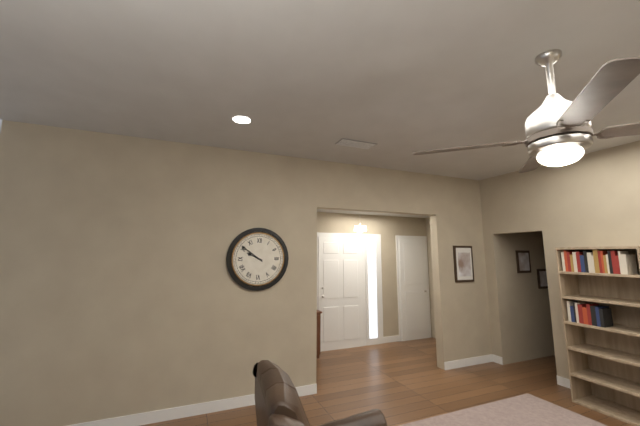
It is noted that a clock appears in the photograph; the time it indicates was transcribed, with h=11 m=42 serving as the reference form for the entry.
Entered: h=9 m=51
